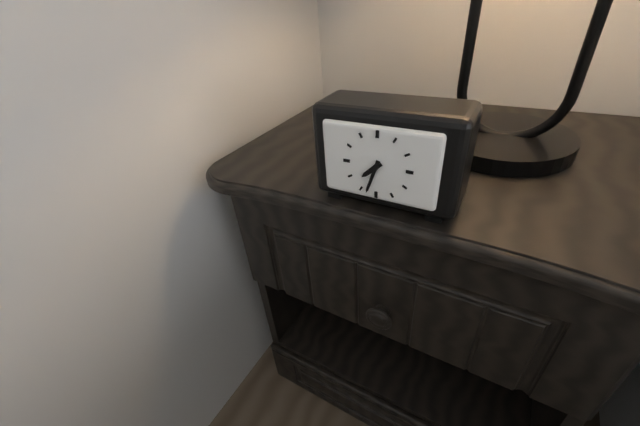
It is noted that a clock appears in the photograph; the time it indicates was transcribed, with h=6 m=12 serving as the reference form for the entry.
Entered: h=7 m=33
